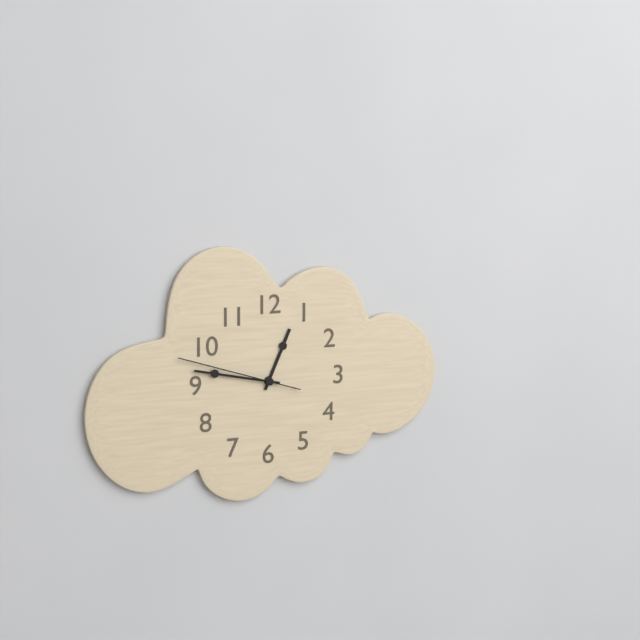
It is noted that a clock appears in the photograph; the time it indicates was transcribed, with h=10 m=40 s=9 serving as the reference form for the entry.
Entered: h=12 m=47 s=48
